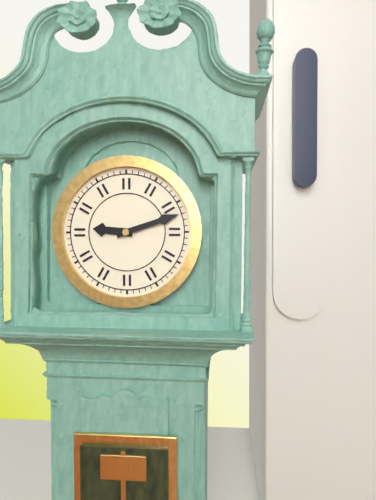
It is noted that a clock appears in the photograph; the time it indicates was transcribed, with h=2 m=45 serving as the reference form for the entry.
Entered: h=9 m=12
